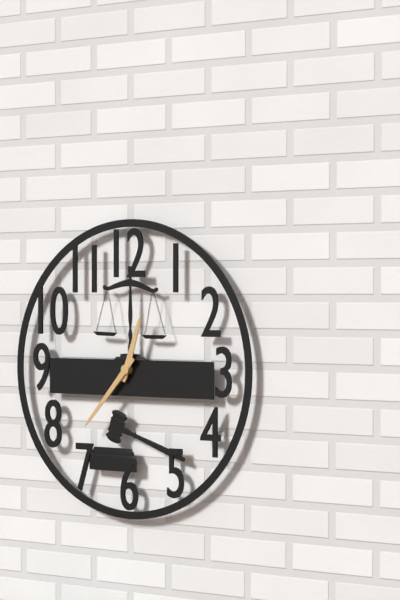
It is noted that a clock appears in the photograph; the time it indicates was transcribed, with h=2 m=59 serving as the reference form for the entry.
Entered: h=12 m=37
